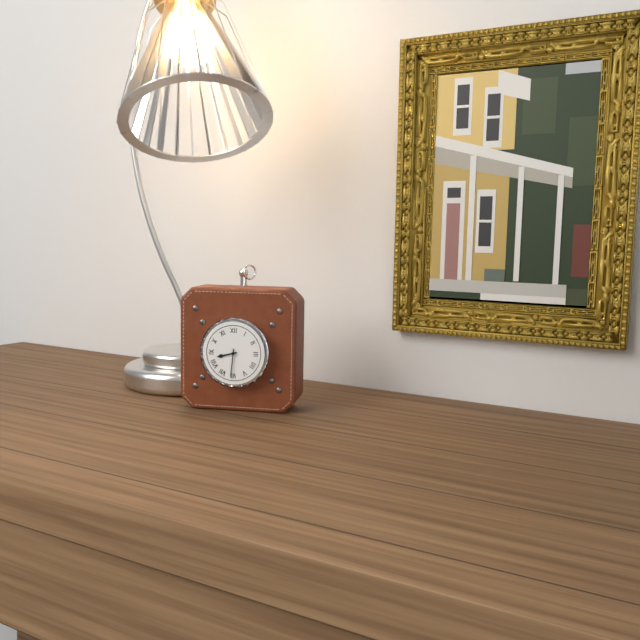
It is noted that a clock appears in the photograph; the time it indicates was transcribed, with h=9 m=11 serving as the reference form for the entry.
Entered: h=8 m=31
